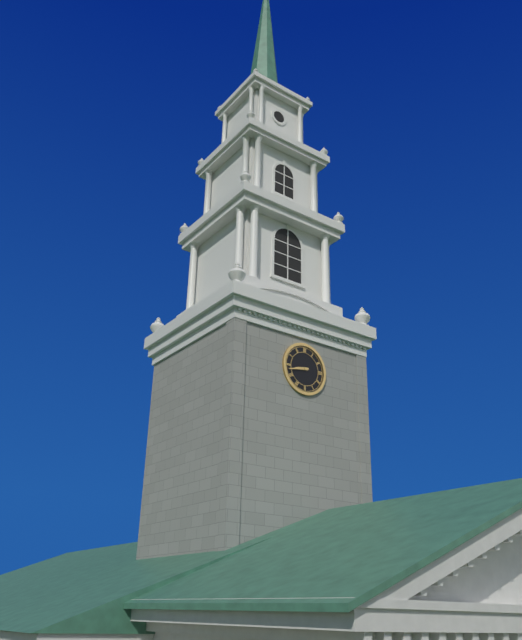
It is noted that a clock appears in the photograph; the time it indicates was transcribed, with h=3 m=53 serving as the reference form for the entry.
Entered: h=8 m=43
